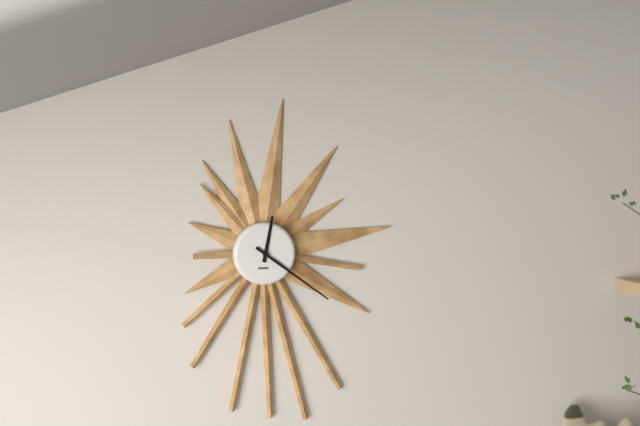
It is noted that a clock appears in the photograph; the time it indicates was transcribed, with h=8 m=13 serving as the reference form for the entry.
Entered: h=12 m=21
